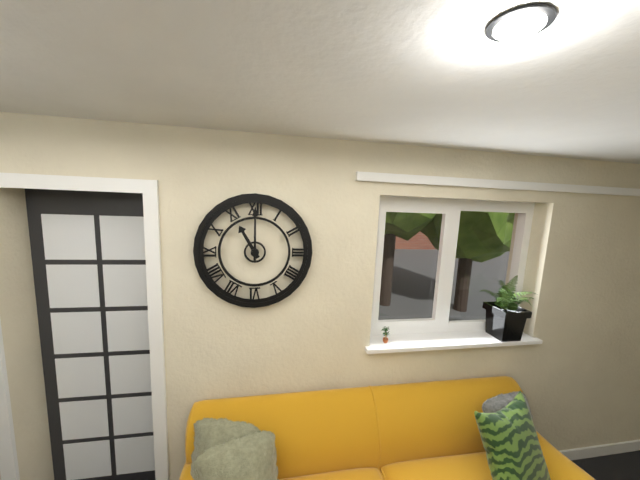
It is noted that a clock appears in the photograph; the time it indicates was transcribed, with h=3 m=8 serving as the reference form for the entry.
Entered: h=11 m=0
